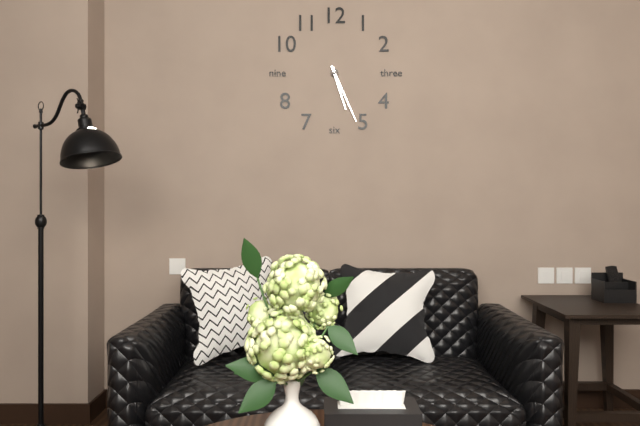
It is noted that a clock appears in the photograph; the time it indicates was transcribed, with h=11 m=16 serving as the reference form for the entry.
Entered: h=5 m=26
